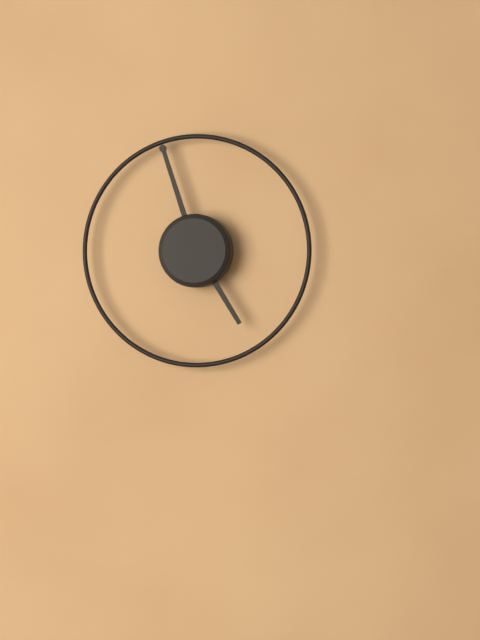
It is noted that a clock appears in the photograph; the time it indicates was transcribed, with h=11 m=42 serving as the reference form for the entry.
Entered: h=4 m=57
